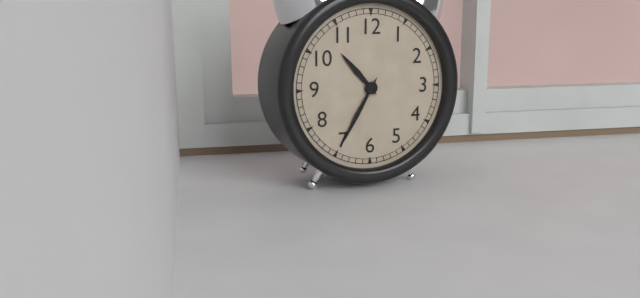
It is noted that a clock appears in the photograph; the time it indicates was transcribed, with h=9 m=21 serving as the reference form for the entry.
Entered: h=10 m=35
